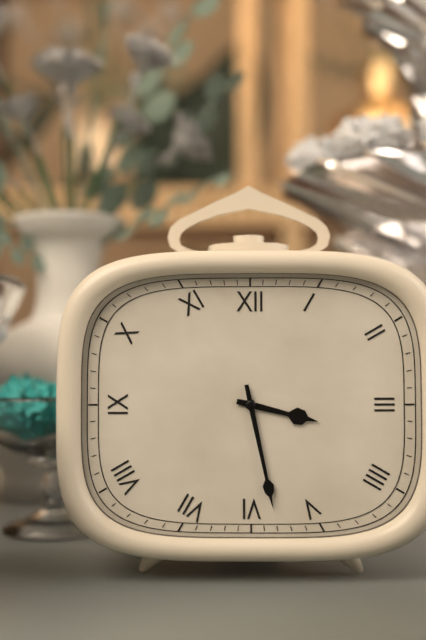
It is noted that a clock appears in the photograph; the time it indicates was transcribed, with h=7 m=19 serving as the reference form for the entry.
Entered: h=3 m=28
